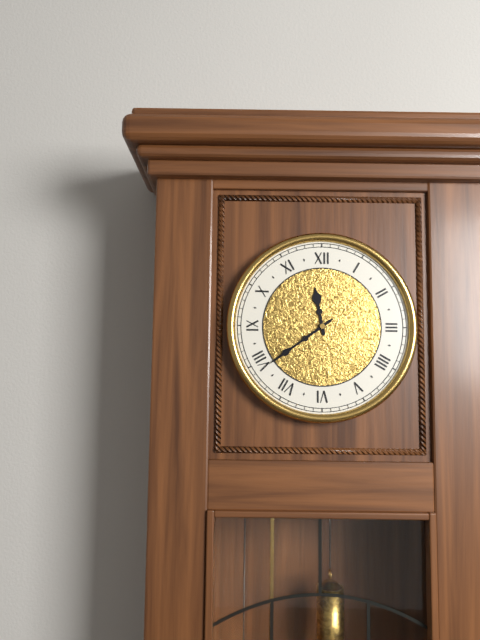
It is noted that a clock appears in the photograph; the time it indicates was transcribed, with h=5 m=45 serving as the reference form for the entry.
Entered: h=11 m=39
